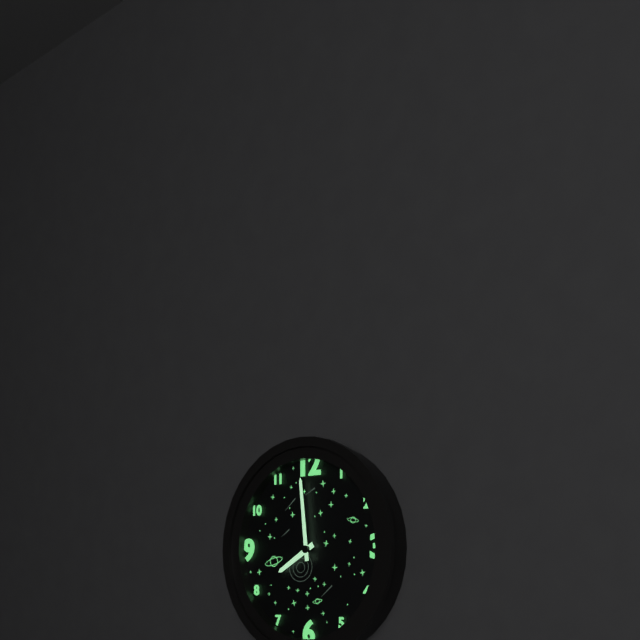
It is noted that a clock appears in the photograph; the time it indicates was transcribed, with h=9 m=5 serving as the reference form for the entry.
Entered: h=7 m=59
